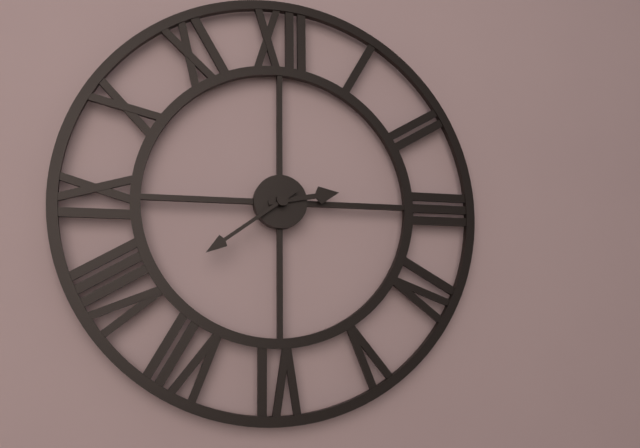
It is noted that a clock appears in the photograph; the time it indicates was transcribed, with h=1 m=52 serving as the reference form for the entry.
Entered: h=2 m=39
